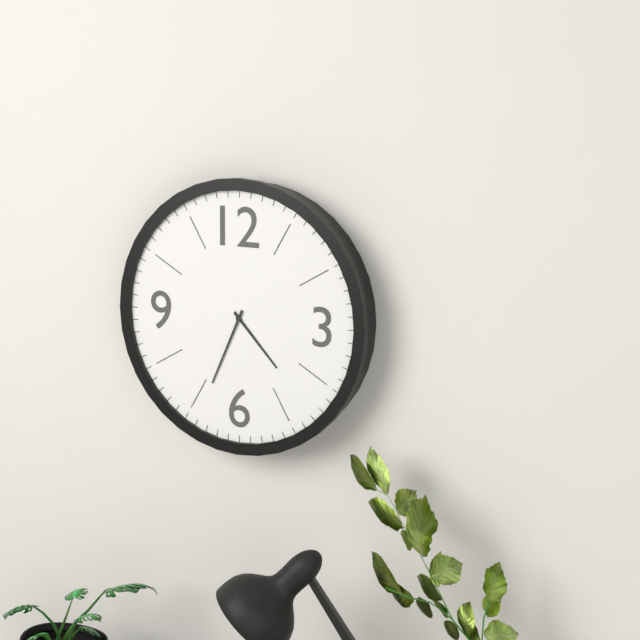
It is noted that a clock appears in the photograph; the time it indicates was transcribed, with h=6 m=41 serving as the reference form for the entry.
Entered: h=4 m=34
